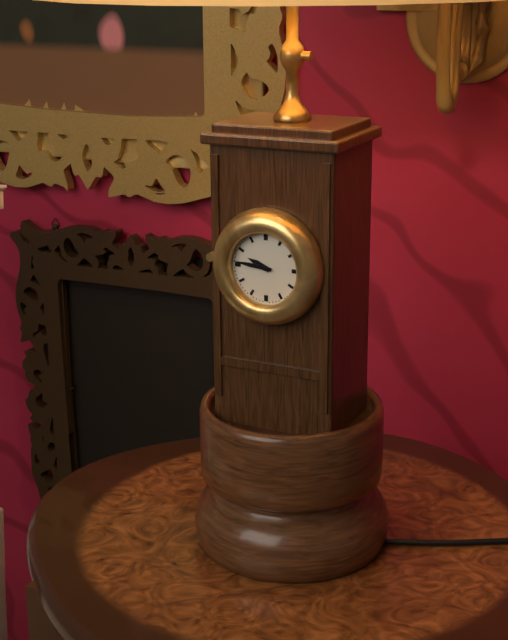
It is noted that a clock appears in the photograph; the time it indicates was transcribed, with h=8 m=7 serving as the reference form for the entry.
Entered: h=9 m=46
